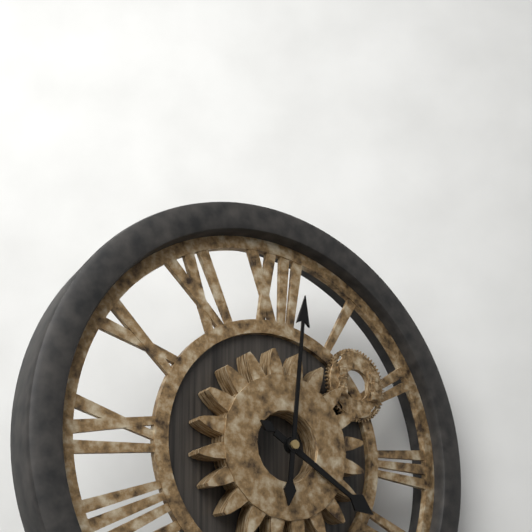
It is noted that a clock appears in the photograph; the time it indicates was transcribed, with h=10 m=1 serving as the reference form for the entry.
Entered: h=4 m=1
